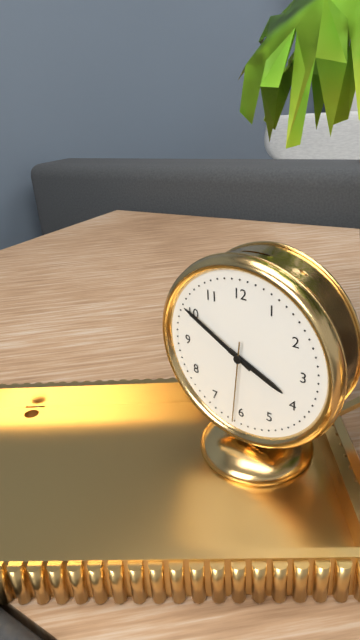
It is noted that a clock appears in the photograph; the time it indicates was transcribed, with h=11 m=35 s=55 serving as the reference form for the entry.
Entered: h=3 m=50 s=31
